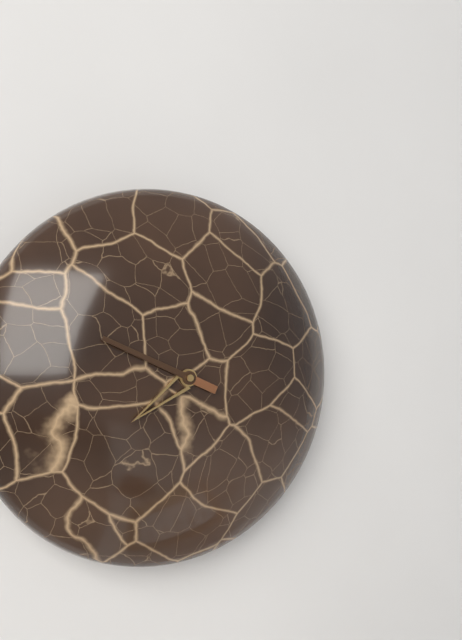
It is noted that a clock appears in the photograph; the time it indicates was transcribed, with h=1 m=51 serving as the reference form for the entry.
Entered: h=7 m=49
